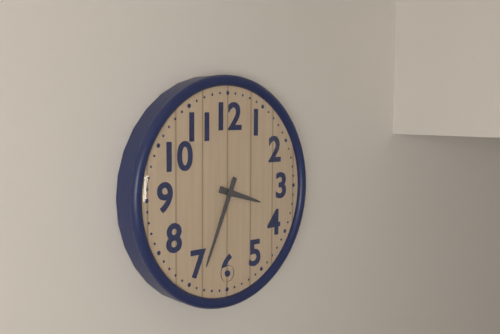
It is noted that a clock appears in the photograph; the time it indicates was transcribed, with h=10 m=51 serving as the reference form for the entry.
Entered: h=3 m=34
